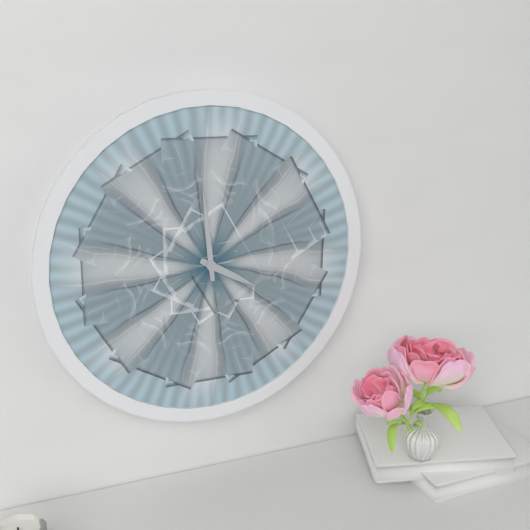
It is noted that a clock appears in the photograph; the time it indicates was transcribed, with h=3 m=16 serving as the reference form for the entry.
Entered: h=3 m=59
